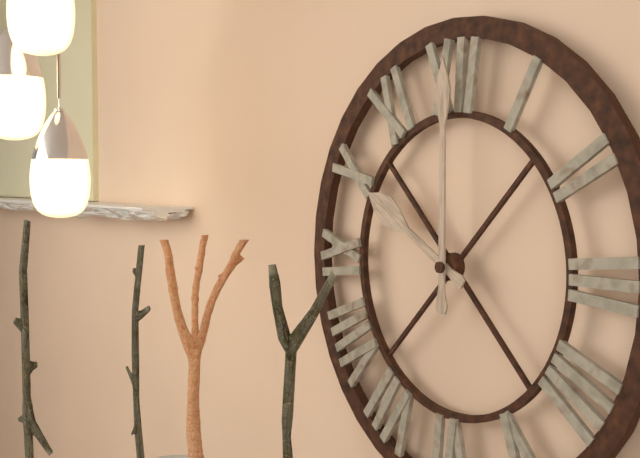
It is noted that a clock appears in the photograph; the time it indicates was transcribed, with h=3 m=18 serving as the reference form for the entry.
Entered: h=10 m=0
